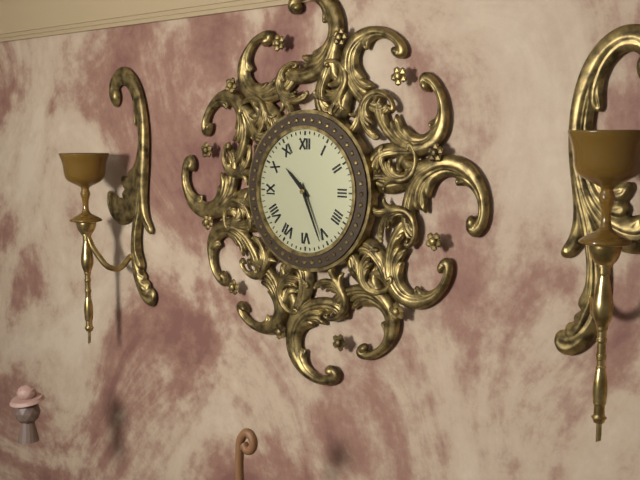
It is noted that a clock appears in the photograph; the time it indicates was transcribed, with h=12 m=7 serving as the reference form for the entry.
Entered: h=10 m=26
